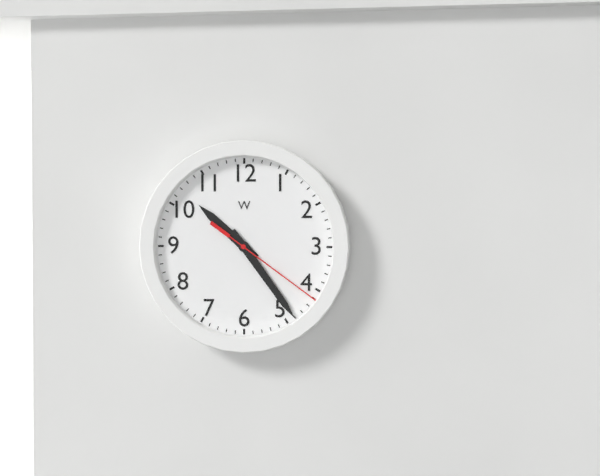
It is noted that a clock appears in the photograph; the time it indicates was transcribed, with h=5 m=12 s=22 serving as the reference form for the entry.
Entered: h=10 m=24 s=21
